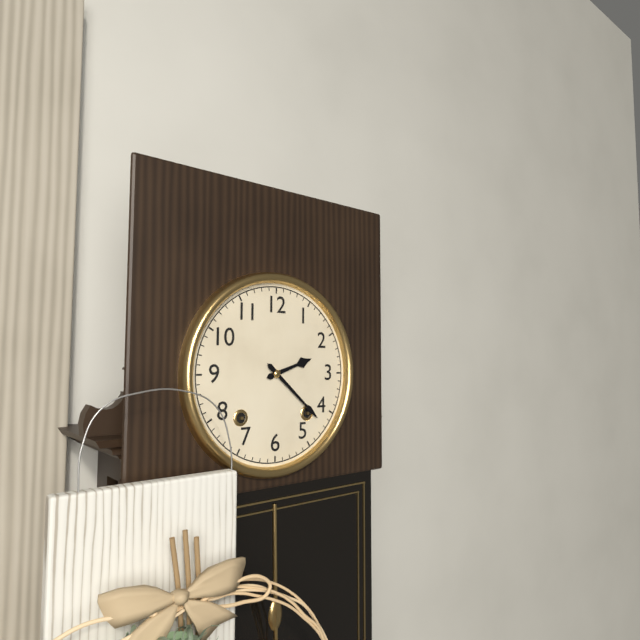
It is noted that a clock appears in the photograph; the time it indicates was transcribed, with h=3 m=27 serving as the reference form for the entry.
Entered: h=2 m=22
